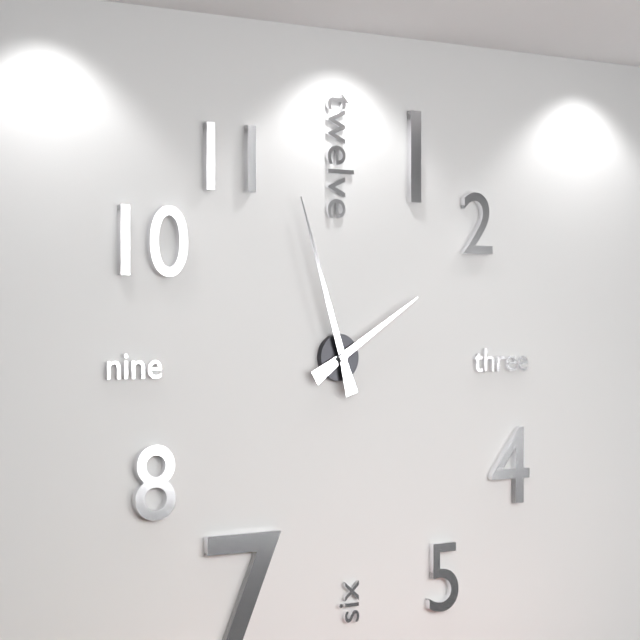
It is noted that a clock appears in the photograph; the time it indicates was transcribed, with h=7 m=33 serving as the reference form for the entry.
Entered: h=1 m=57
